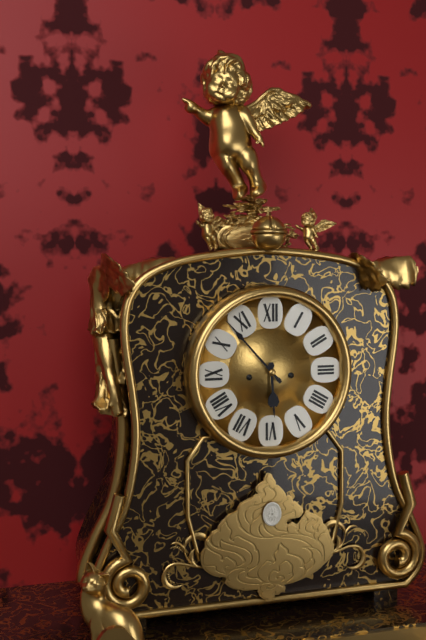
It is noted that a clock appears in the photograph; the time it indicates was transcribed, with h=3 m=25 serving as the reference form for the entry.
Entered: h=5 m=53
